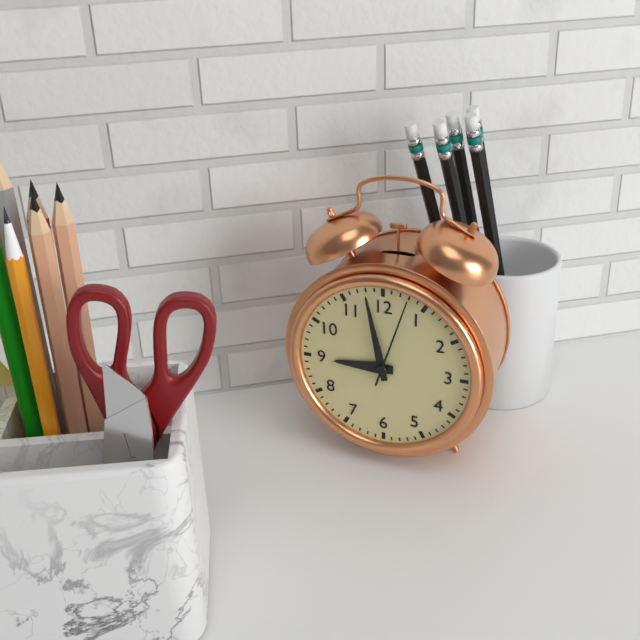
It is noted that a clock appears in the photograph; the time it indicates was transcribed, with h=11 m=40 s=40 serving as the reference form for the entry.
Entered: h=8 m=58 s=3
